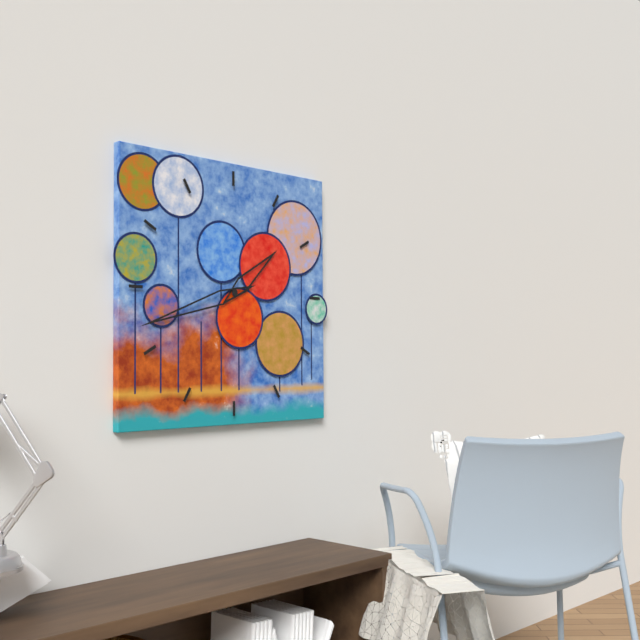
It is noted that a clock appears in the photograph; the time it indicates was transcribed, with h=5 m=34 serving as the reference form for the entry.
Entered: h=1 m=42
